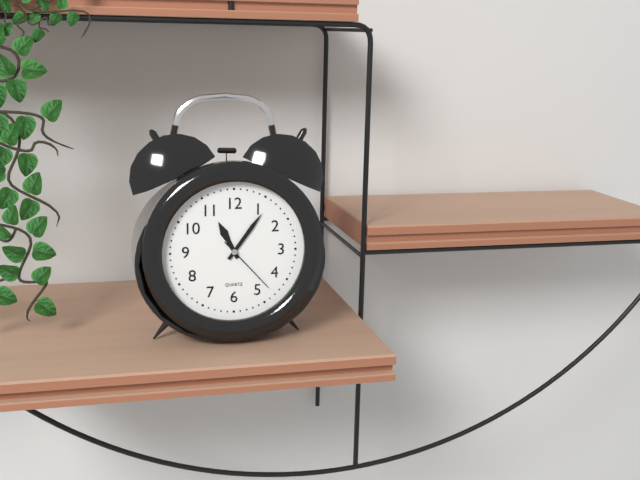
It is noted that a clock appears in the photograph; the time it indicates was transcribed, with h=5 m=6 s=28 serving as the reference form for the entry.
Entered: h=11 m=6 s=23
